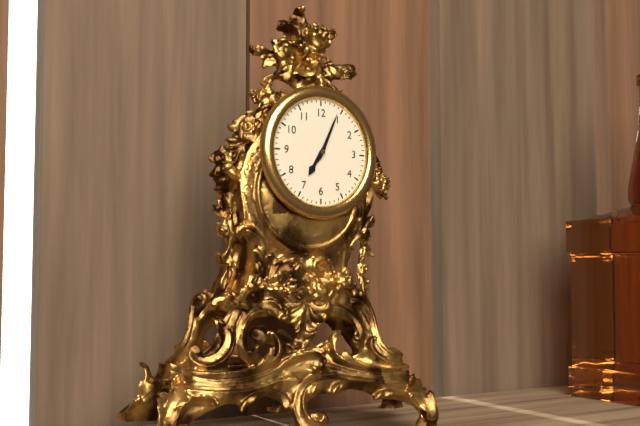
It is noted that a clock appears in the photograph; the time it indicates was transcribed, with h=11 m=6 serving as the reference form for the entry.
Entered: h=7 m=4
